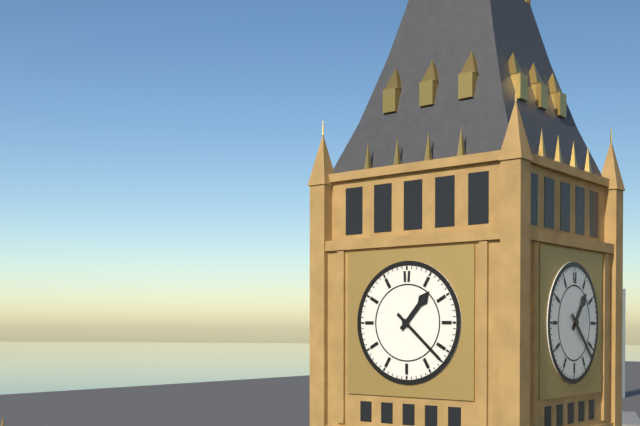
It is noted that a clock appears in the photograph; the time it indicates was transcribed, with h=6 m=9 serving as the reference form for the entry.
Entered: h=1 m=22
